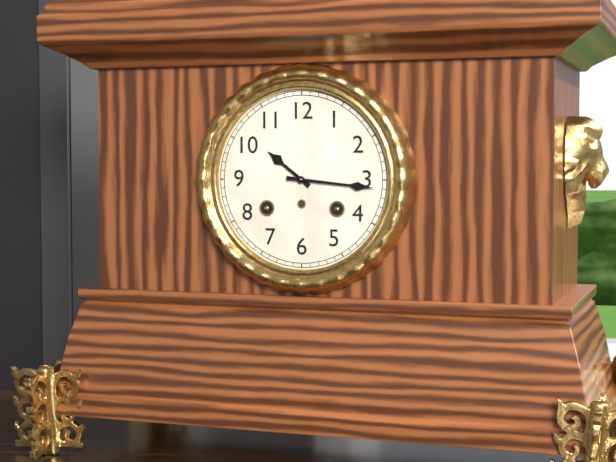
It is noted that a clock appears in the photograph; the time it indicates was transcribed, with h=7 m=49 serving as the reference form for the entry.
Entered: h=10 m=16
